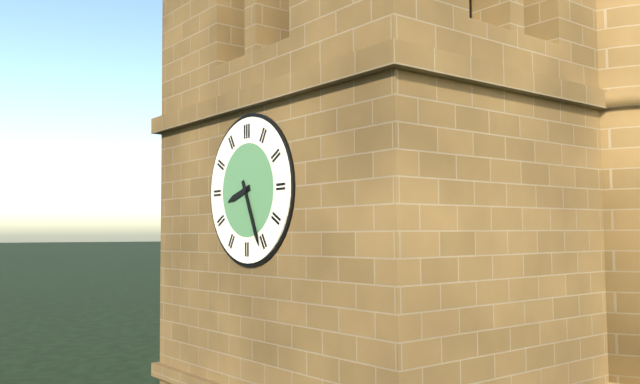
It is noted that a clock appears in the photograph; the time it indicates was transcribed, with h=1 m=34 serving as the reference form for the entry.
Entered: h=8 m=26
